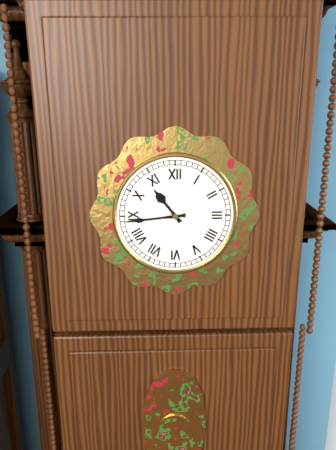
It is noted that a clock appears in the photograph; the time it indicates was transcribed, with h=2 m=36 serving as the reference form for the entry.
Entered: h=10 m=44
